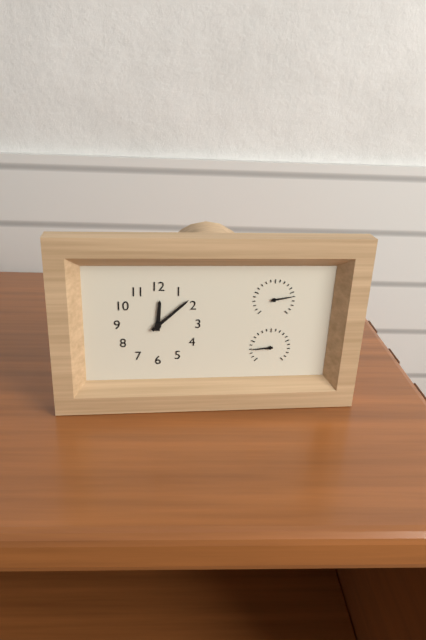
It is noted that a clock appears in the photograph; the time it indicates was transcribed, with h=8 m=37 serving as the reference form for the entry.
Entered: h=12 m=8
